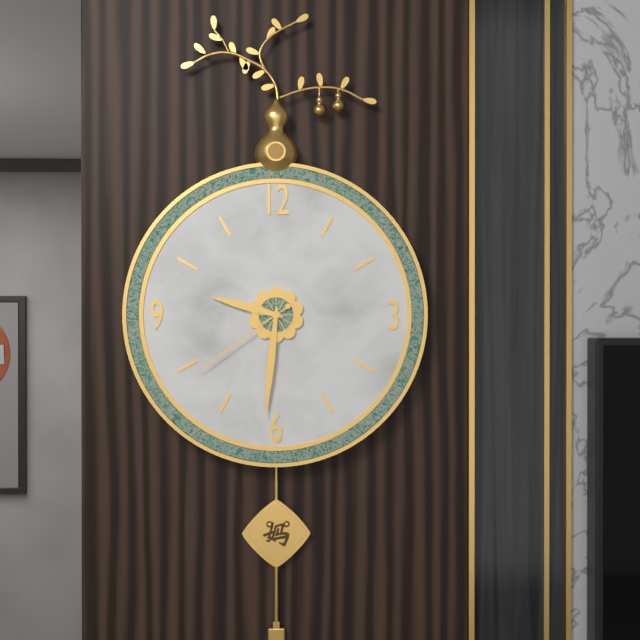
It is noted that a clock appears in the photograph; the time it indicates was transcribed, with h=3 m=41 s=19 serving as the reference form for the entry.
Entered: h=9 m=31 s=39
